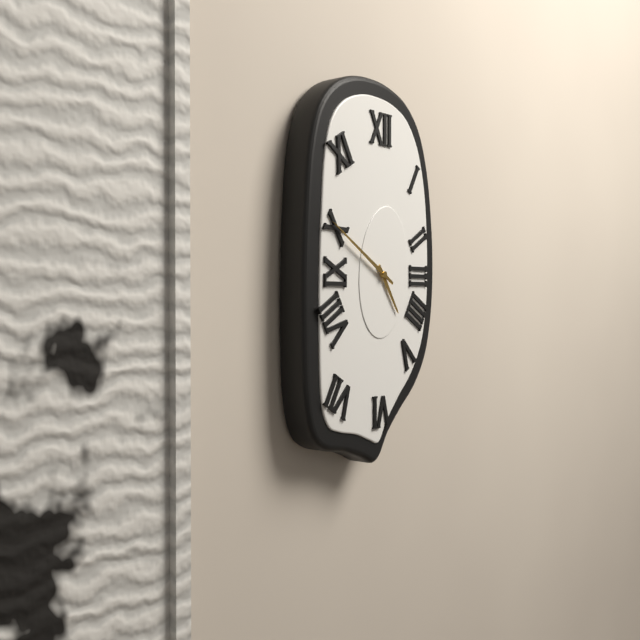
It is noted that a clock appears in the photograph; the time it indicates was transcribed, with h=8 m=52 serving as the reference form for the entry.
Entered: h=4 m=50
